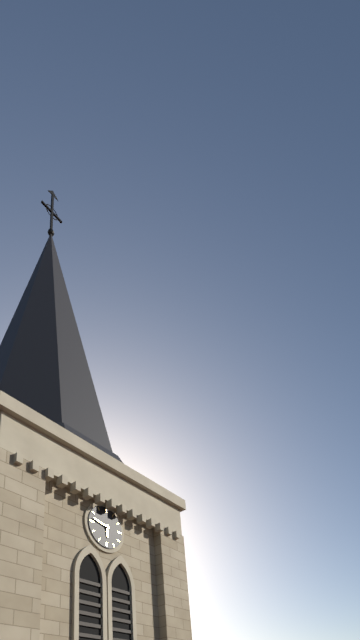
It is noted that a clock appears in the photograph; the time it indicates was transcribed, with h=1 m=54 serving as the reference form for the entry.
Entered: h=5 m=47
